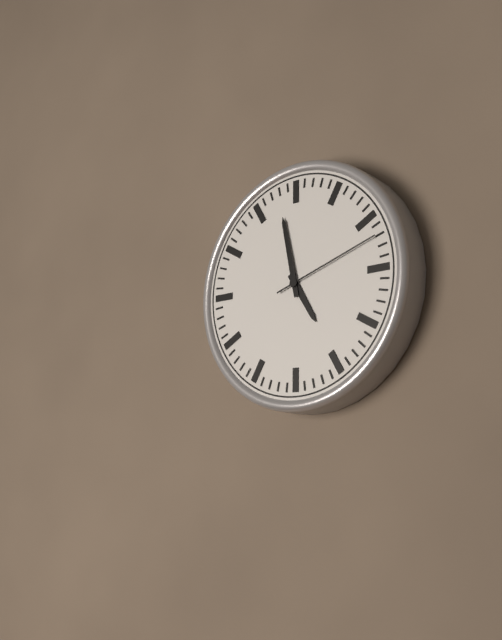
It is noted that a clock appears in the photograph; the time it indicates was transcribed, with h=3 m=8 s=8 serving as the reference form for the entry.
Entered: h=4 m=58 s=12
